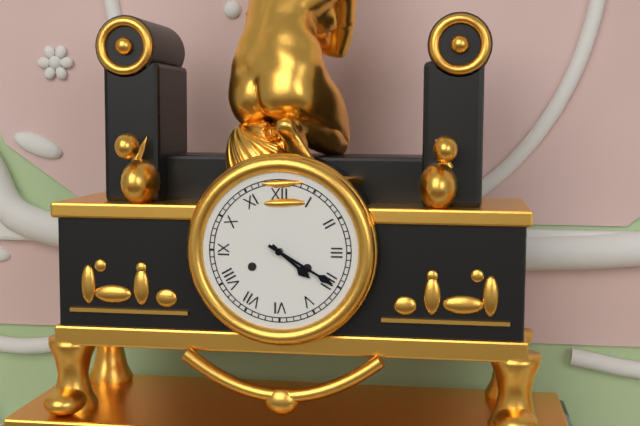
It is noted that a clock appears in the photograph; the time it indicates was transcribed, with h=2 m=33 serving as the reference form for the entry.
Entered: h=4 m=20
